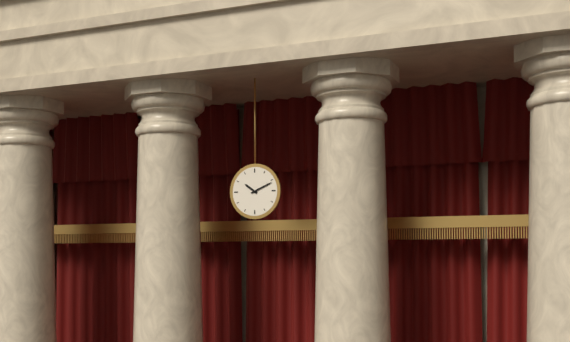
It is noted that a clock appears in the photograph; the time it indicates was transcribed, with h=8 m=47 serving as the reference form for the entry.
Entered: h=10 m=11
